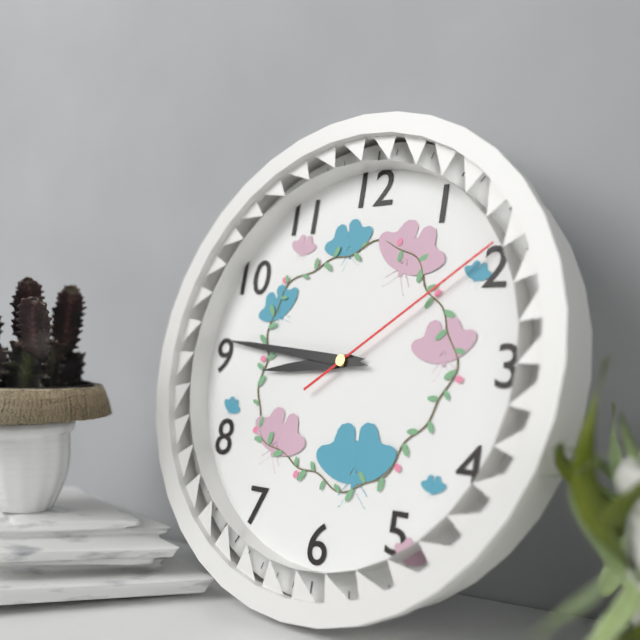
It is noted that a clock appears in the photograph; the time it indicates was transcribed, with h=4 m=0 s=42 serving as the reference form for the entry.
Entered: h=8 m=46 s=9
